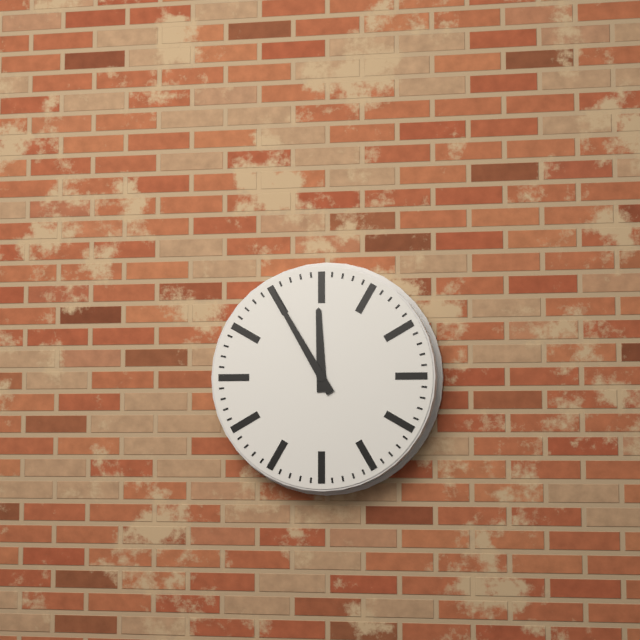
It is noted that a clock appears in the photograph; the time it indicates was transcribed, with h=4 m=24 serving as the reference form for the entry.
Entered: h=11 m=55
